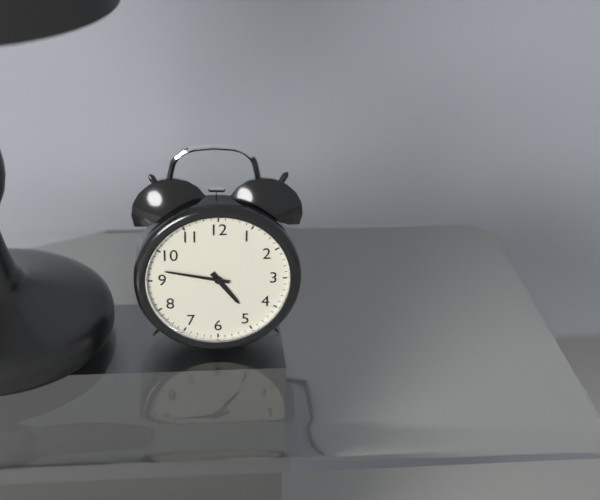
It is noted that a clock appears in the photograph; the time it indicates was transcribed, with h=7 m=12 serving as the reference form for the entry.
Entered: h=4 m=47
